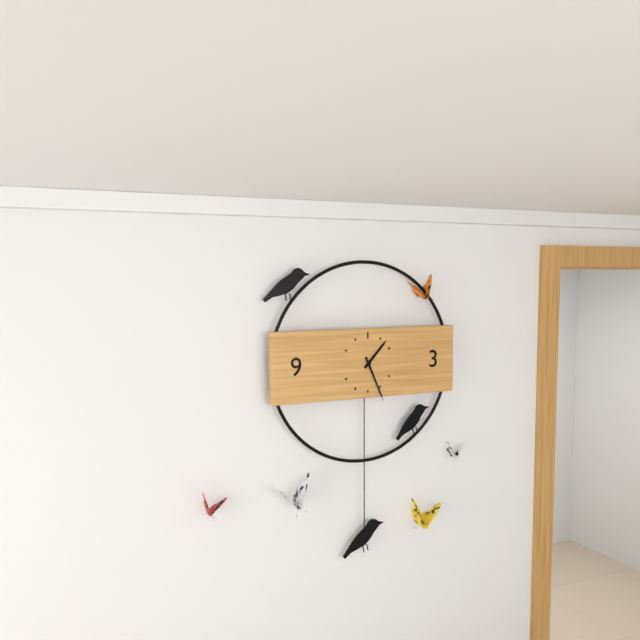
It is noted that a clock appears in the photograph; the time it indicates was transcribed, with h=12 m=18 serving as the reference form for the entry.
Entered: h=1 m=26
